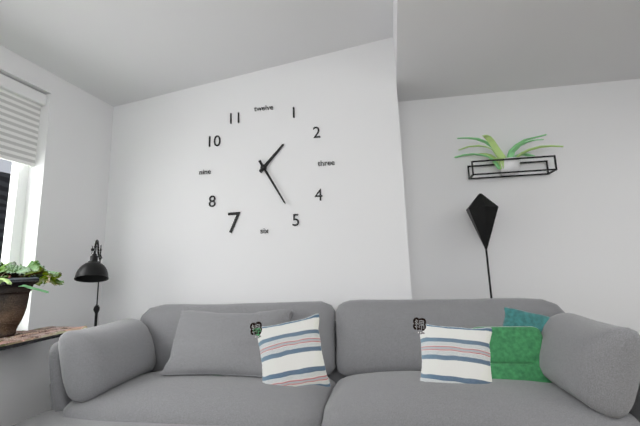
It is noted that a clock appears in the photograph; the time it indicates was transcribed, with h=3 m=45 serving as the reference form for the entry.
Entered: h=1 m=25
